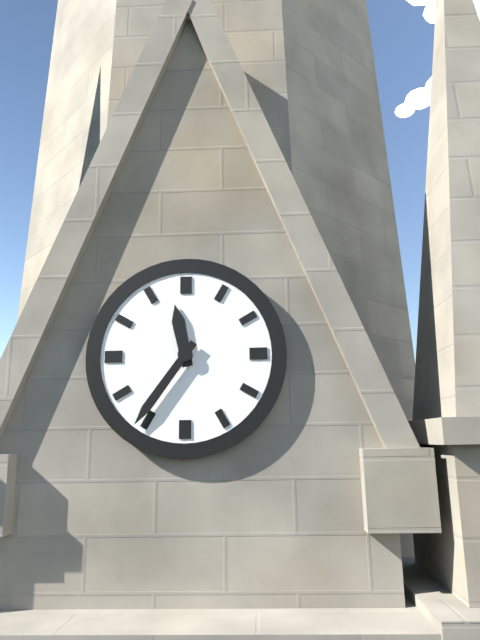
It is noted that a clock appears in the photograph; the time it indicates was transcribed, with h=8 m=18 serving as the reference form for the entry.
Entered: h=11 m=36
